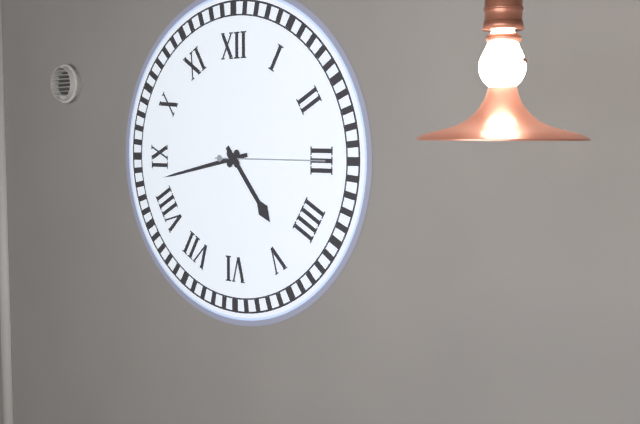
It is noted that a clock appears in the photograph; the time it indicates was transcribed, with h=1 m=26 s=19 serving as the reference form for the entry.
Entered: h=4 m=43 s=15
